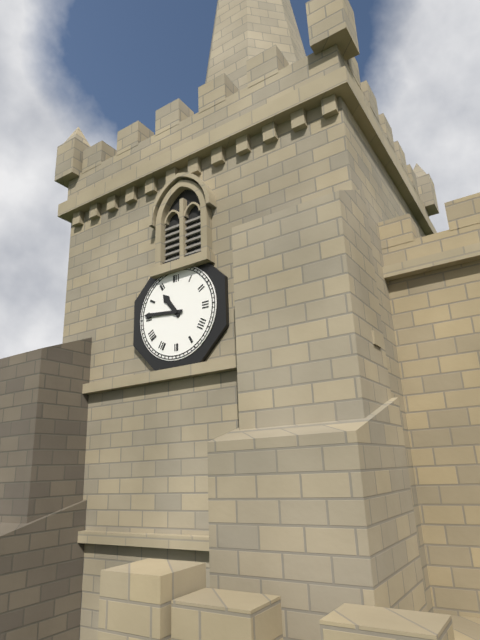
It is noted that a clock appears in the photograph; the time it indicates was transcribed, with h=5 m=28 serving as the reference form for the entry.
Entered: h=10 m=46
